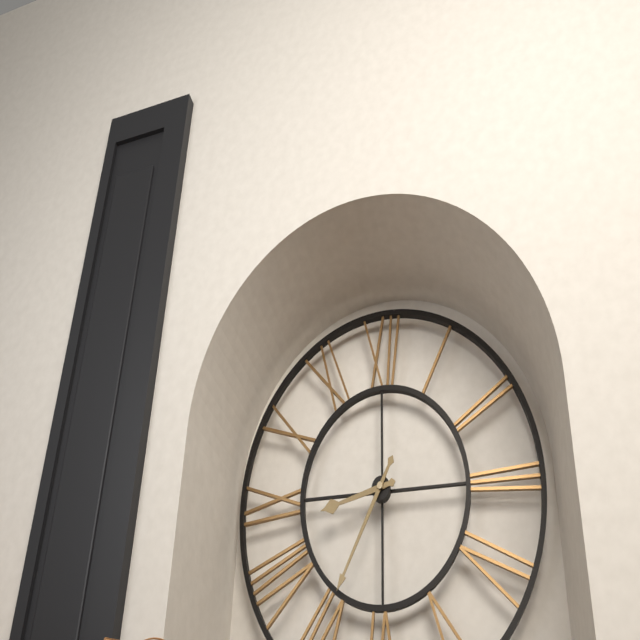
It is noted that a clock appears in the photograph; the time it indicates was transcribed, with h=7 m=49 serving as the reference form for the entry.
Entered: h=8 m=35
